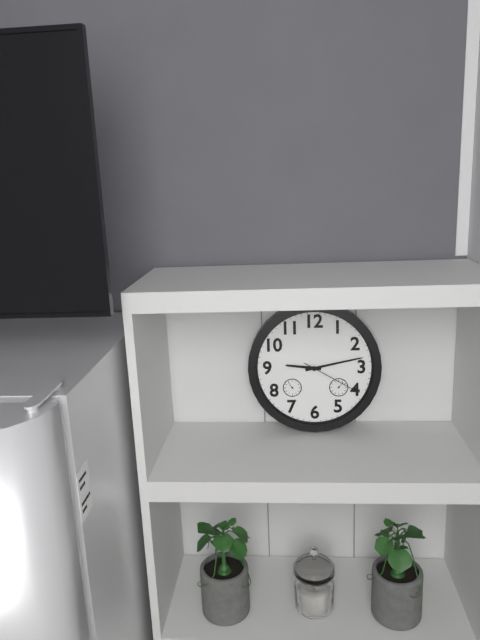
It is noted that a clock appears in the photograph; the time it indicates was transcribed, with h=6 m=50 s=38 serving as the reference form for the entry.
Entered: h=9 m=13 s=20
